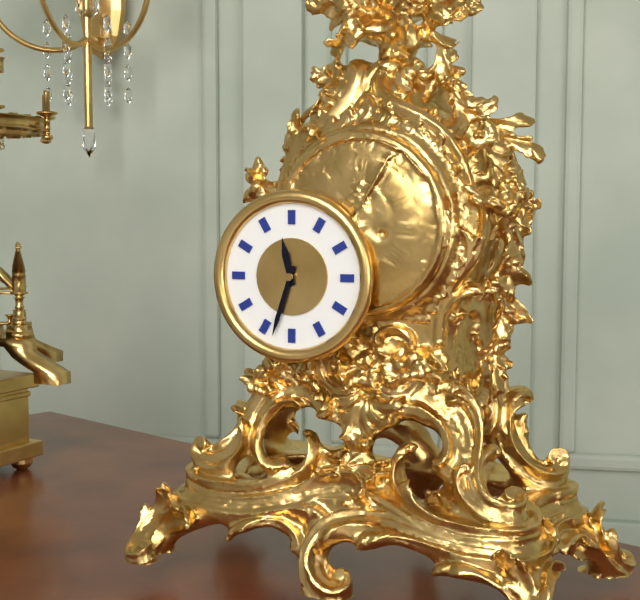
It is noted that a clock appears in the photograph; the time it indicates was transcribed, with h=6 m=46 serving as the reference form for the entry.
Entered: h=11 m=33
